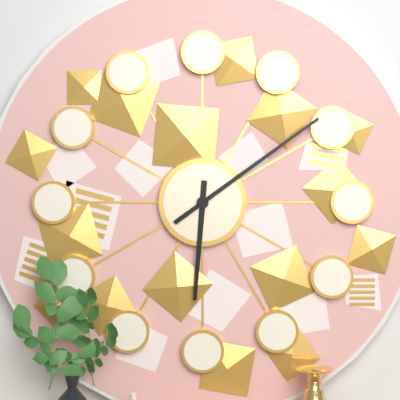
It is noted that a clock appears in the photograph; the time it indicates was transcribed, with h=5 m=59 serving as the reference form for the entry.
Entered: h=6 m=9
